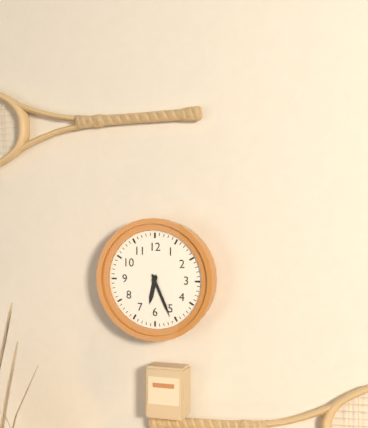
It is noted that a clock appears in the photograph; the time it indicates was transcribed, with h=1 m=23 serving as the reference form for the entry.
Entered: h=6 m=26
